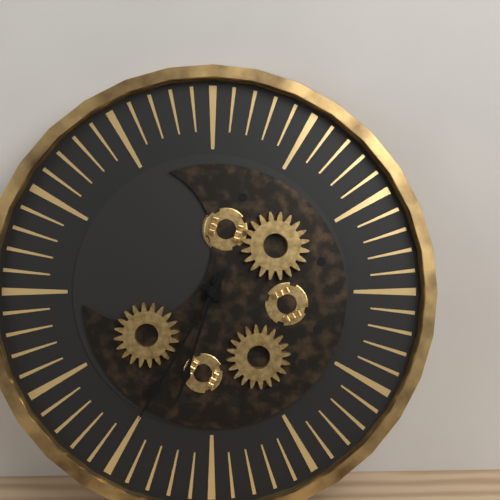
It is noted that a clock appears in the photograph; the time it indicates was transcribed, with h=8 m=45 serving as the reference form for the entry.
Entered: h=6 m=35
